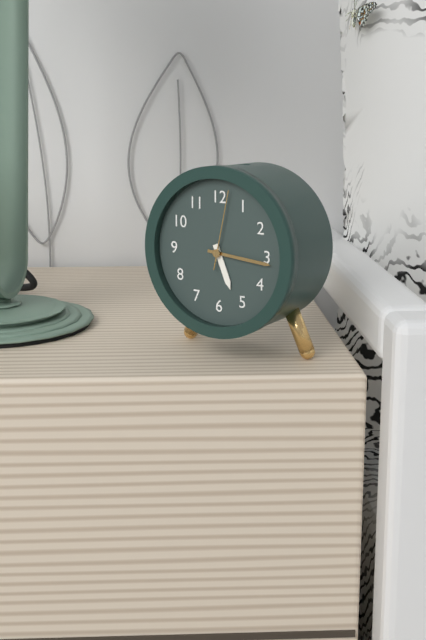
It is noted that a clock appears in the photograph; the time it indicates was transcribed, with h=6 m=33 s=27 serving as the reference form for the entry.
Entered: h=5 m=16 s=2
